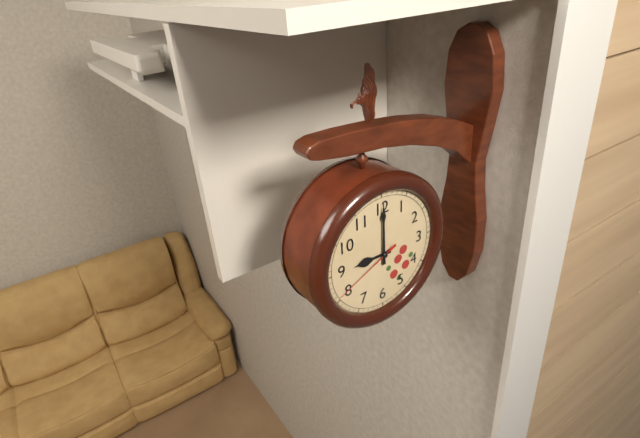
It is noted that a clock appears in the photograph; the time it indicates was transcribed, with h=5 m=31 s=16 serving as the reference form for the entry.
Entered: h=9 m=0 s=41
